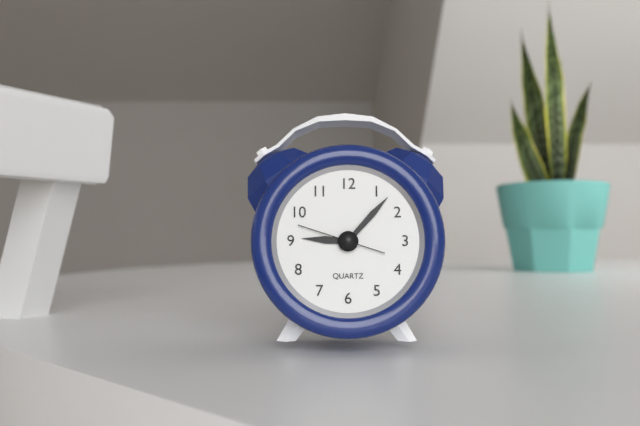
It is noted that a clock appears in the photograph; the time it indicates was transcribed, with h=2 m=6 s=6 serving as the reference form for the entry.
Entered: h=9 m=7 s=48
